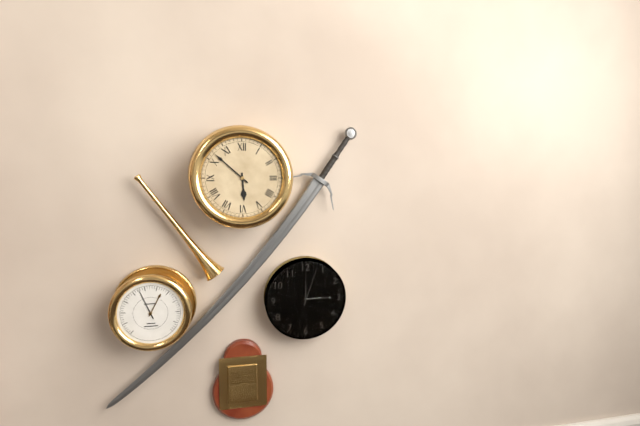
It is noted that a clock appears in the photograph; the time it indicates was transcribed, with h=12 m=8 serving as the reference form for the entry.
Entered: h=5 m=52
